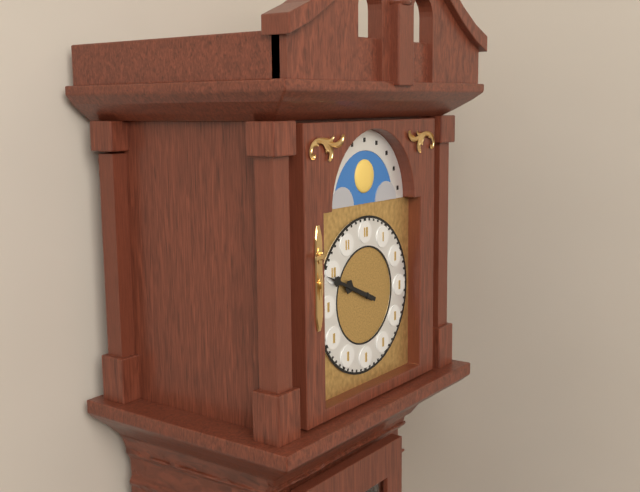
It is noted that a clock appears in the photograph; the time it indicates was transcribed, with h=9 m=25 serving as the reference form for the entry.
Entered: h=9 m=49
